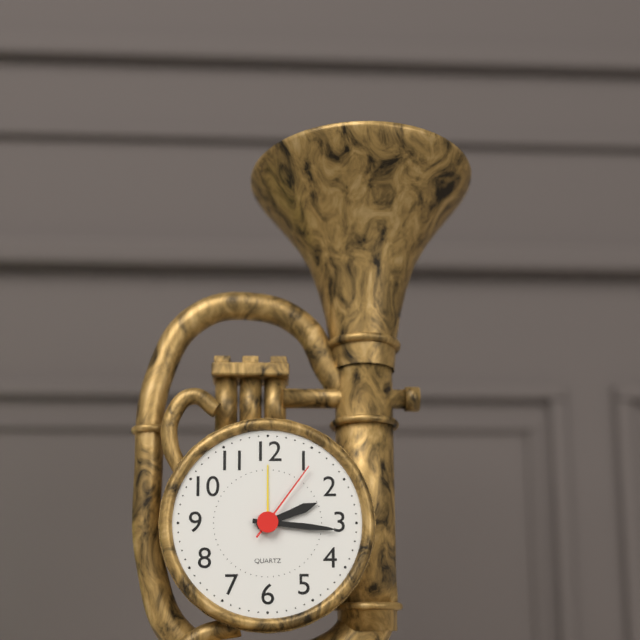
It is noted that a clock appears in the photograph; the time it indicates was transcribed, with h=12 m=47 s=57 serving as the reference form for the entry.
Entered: h=2 m=16 s=6
